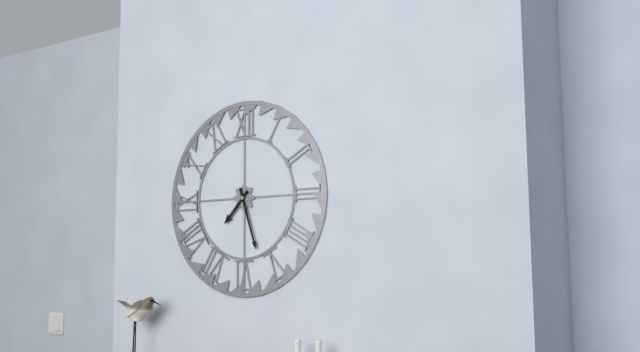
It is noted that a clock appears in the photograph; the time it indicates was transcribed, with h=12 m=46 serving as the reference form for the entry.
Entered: h=7 m=27
